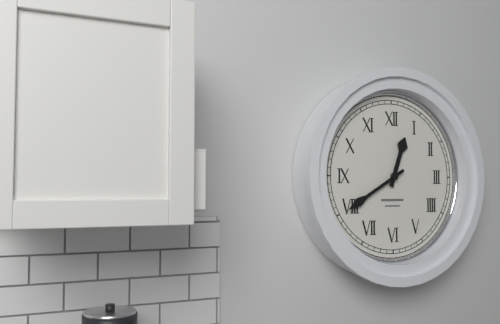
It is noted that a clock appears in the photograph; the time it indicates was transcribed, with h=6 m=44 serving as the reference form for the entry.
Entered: h=12 m=40
